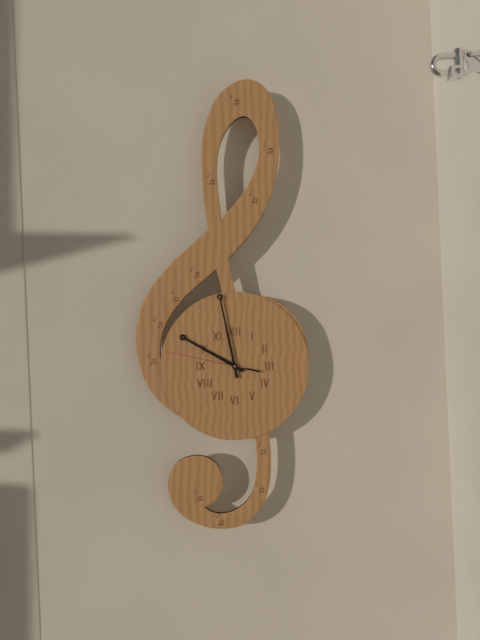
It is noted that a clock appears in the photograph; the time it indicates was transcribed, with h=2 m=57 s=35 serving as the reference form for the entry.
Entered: h=9 m=58 s=47
